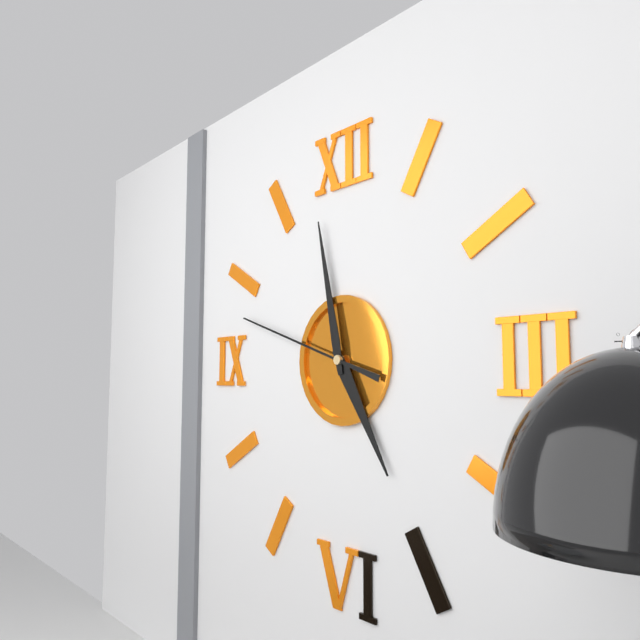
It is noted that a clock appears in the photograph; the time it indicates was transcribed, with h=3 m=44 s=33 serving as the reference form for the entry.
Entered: h=4 m=58 s=48
